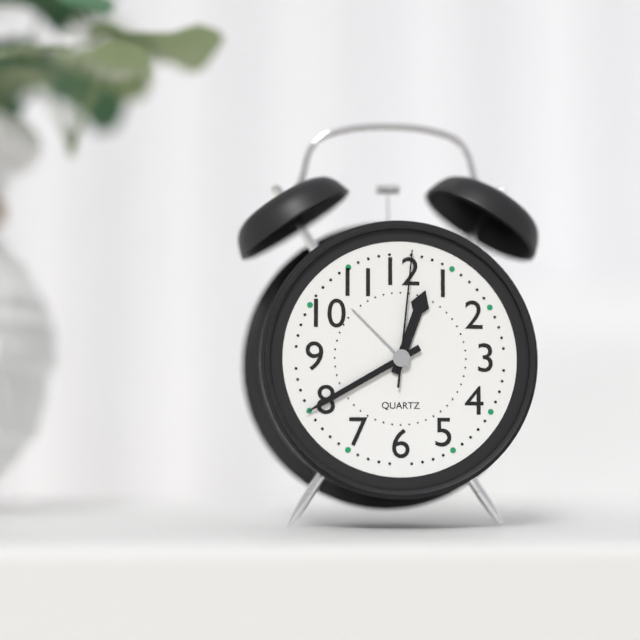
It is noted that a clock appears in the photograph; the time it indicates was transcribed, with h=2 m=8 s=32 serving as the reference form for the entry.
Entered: h=12 m=40 s=1
